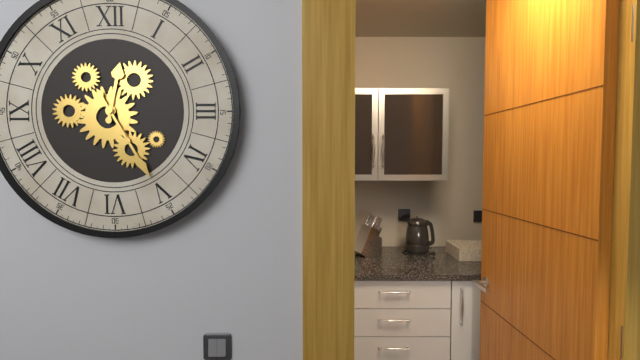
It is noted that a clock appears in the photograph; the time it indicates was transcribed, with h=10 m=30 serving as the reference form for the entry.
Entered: h=12 m=25
